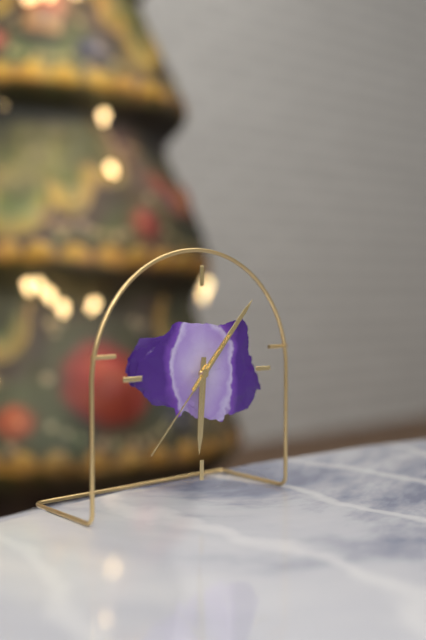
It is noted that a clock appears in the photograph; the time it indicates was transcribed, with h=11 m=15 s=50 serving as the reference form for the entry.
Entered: h=6 m=7 s=37
